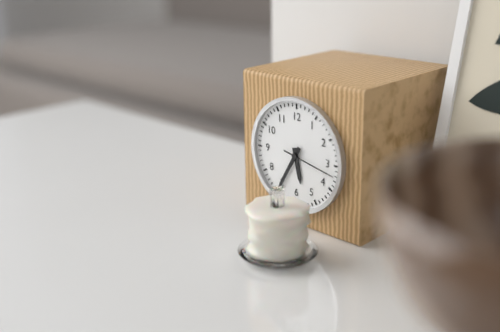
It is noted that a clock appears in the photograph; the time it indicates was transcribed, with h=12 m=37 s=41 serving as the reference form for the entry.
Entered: h=5 m=35 s=17
